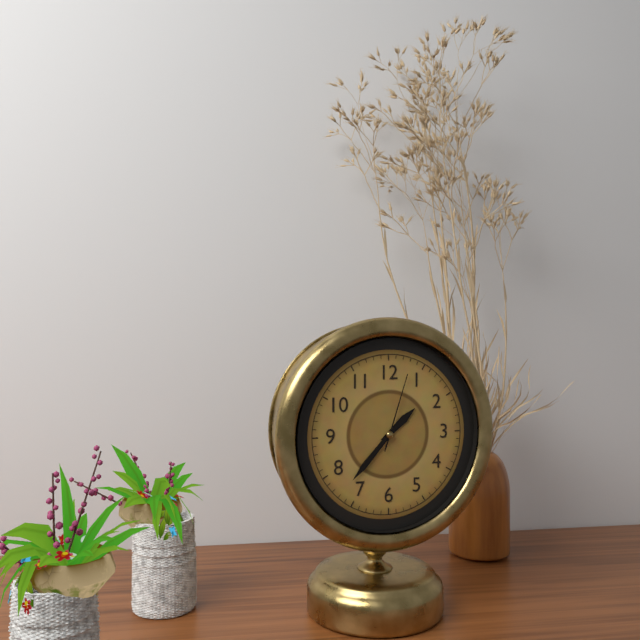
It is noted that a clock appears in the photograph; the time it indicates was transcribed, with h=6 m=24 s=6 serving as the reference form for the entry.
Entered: h=1 m=37 s=3
